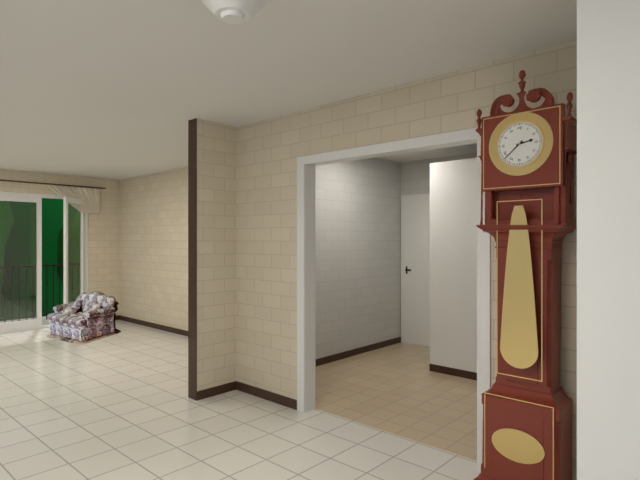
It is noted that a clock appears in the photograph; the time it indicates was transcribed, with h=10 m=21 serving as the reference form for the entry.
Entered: h=2 m=38
